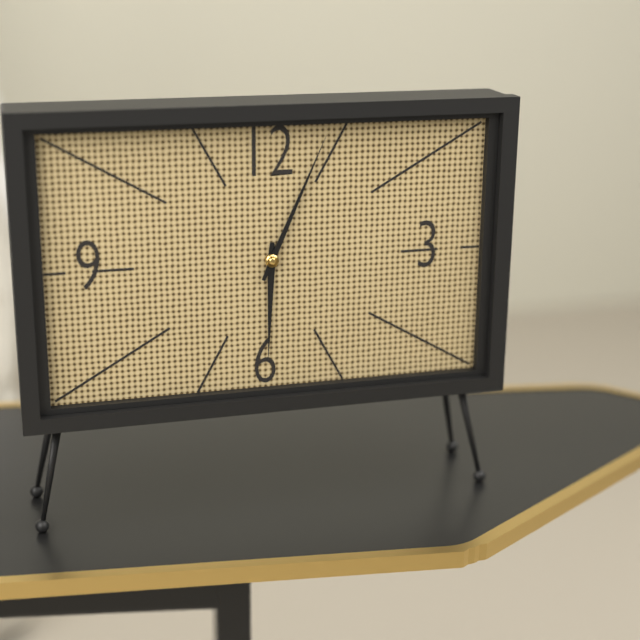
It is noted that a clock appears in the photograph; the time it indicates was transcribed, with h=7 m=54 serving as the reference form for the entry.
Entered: h=6 m=4
